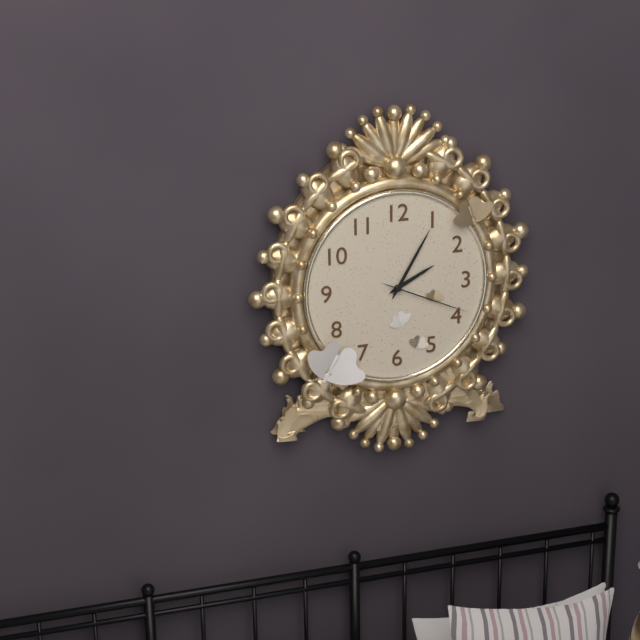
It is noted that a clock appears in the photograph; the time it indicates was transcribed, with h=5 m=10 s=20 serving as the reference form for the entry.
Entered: h=2 m=5 s=19
